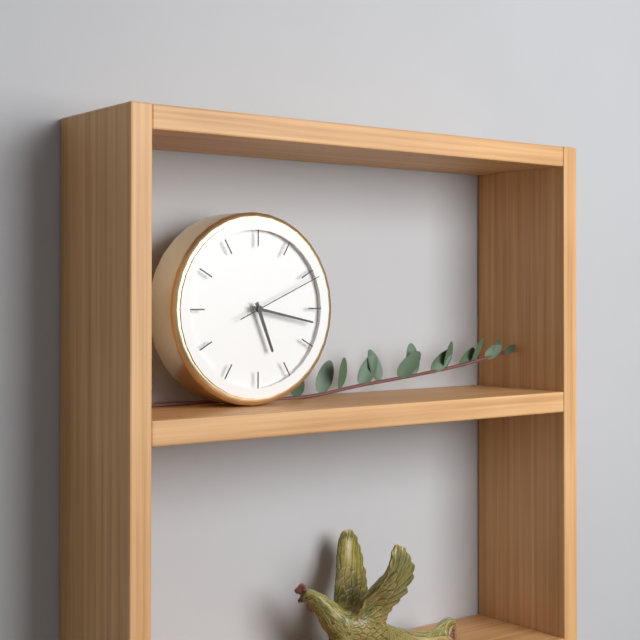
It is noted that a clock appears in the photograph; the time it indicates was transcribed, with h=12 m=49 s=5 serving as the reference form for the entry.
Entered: h=5 m=17 s=11
